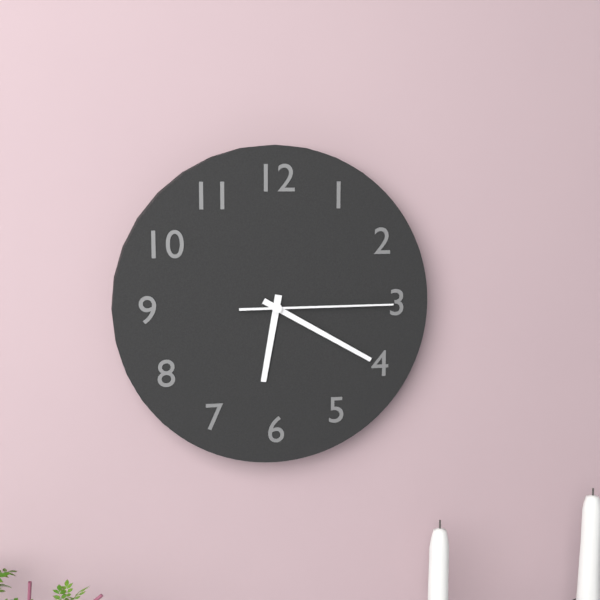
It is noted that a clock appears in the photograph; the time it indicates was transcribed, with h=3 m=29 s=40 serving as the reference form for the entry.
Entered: h=6 m=20 s=15
